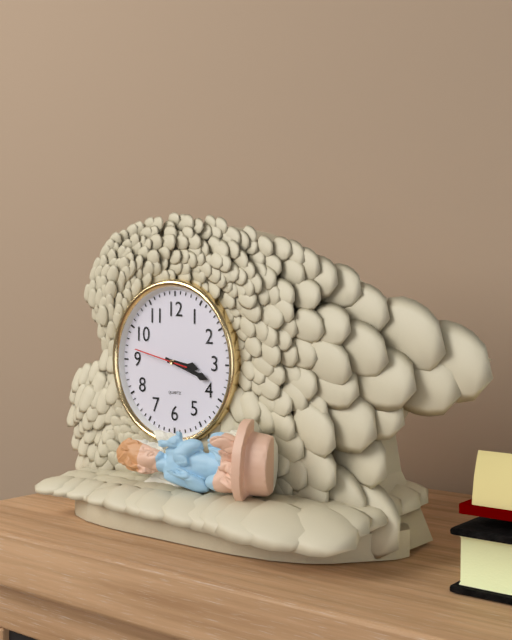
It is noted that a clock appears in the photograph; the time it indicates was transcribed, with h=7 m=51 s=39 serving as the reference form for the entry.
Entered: h=3 m=18 s=47
